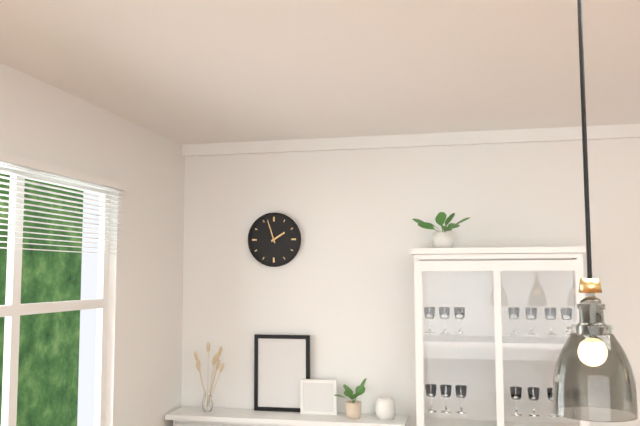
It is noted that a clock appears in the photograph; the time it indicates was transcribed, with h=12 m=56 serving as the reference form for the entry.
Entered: h=1 m=57
